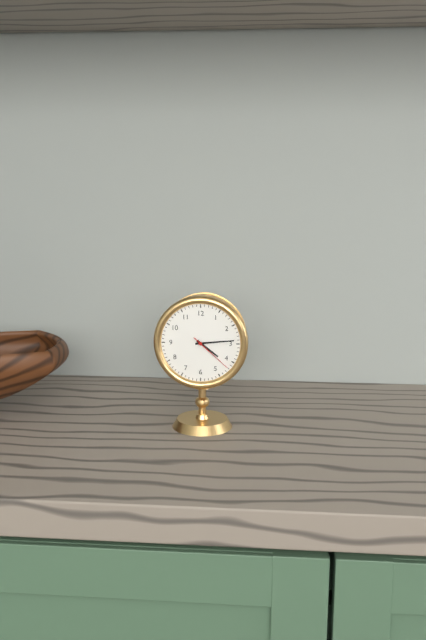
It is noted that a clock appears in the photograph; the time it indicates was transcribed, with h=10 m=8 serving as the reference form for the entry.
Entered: h=4 m=14
